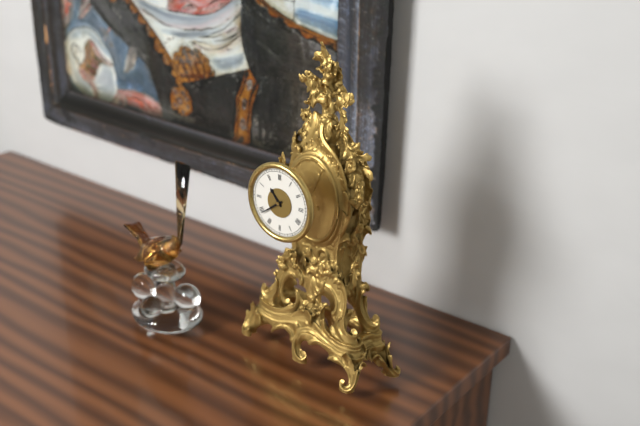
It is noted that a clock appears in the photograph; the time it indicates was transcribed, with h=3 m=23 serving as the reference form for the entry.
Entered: h=10 m=39
